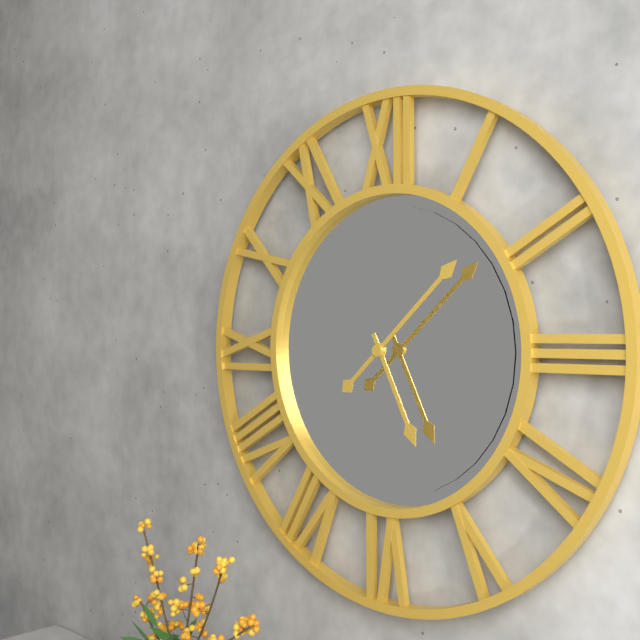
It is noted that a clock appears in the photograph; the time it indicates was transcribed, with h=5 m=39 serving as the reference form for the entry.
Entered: h=5 m=8
